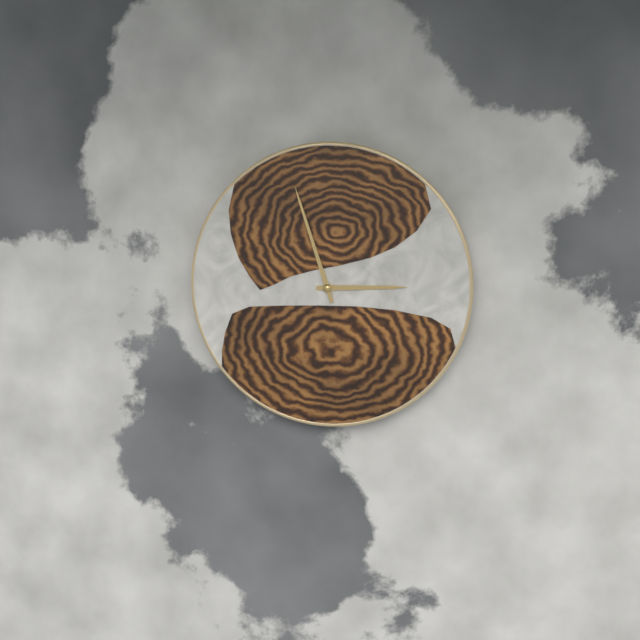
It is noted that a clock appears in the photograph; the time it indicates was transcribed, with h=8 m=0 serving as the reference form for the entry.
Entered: h=2 m=57
